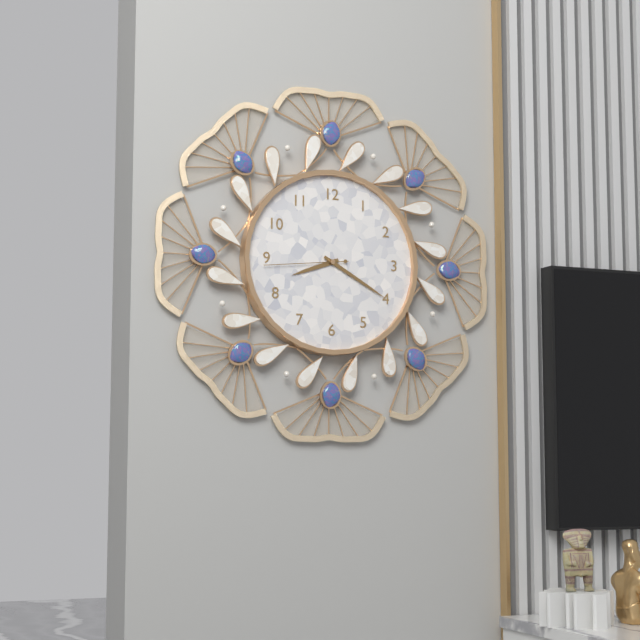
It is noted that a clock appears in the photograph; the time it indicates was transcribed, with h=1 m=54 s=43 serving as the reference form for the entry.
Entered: h=8 m=20 s=44
